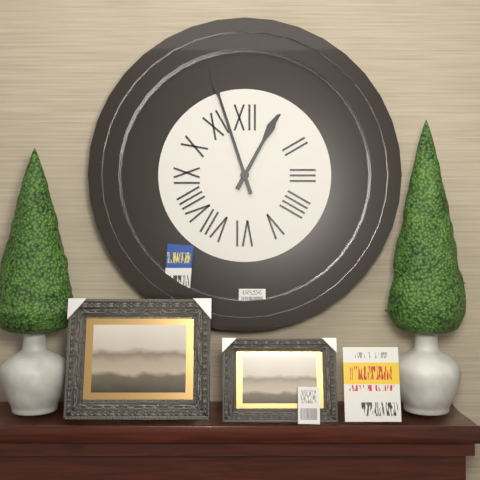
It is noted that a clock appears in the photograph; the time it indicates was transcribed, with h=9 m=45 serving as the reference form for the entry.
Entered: h=12 m=57
